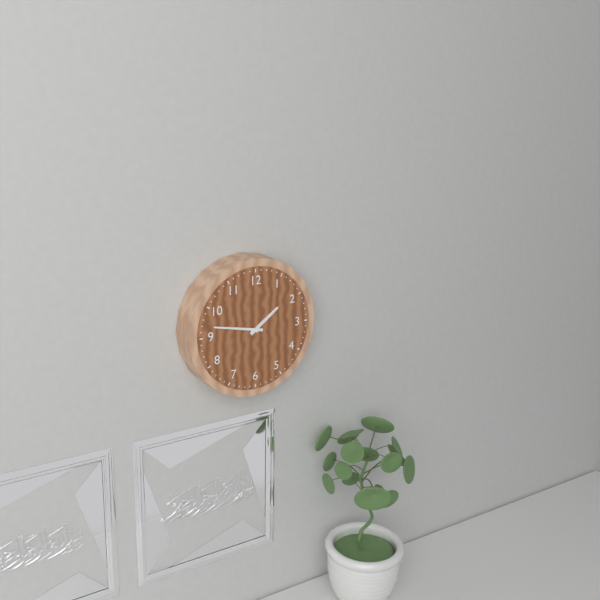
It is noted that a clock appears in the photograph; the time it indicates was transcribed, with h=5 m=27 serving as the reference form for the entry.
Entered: h=1 m=47
